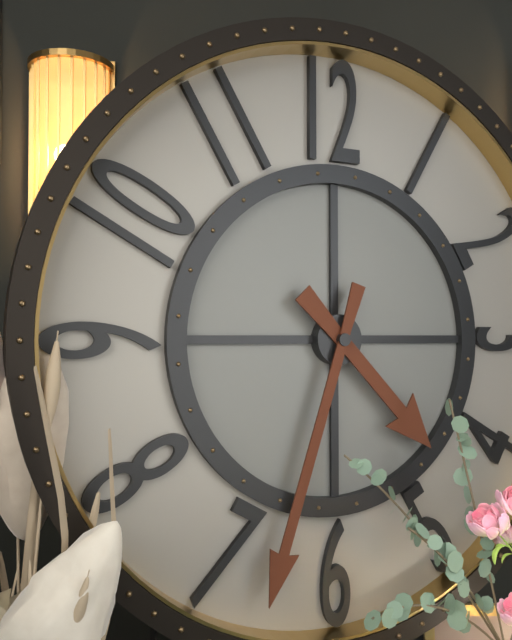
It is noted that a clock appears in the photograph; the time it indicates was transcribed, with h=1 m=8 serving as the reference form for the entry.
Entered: h=4 m=33
